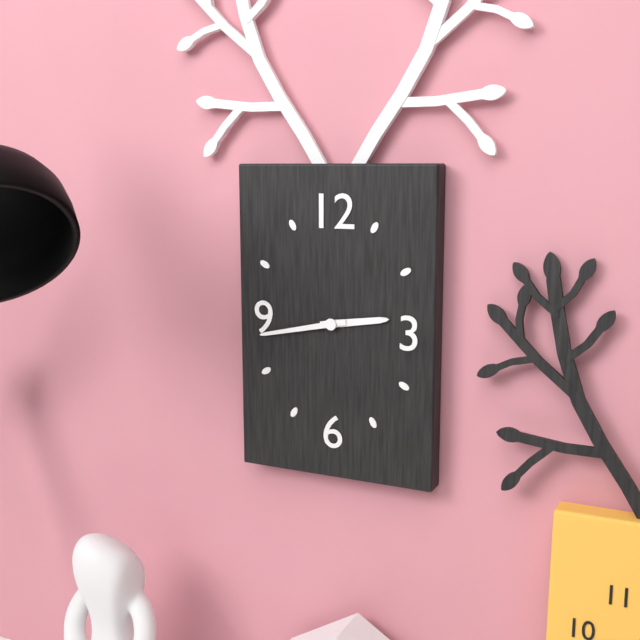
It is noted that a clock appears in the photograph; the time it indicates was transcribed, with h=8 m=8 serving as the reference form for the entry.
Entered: h=2 m=43
